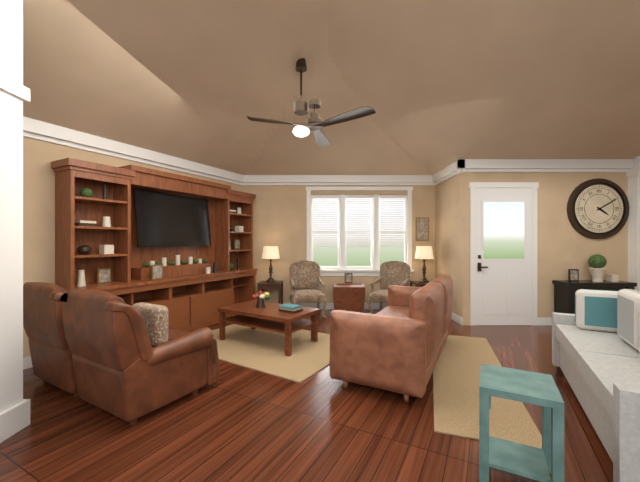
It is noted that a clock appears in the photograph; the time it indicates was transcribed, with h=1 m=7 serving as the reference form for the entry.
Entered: h=4 m=10
